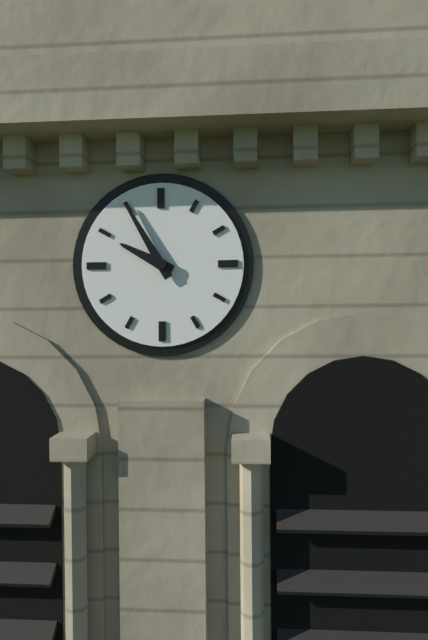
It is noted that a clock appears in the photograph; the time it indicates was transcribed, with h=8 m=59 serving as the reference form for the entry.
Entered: h=9 m=55
